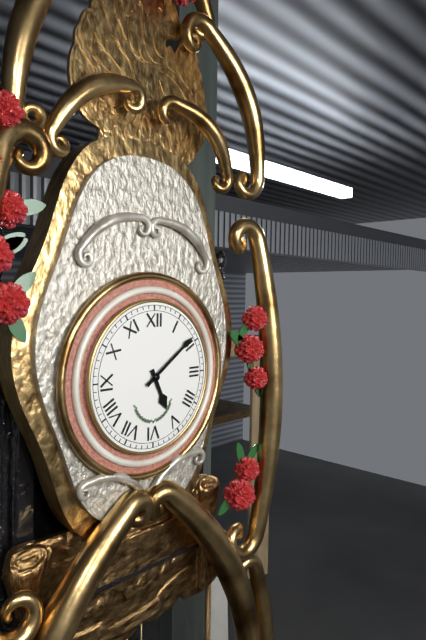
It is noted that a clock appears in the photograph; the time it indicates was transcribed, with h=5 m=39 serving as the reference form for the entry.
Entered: h=5 m=9
